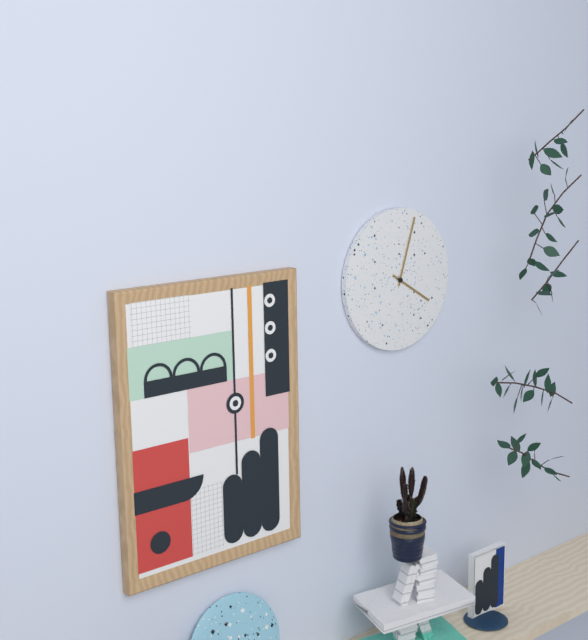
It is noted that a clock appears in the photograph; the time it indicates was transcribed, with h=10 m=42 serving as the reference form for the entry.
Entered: h=4 m=3
